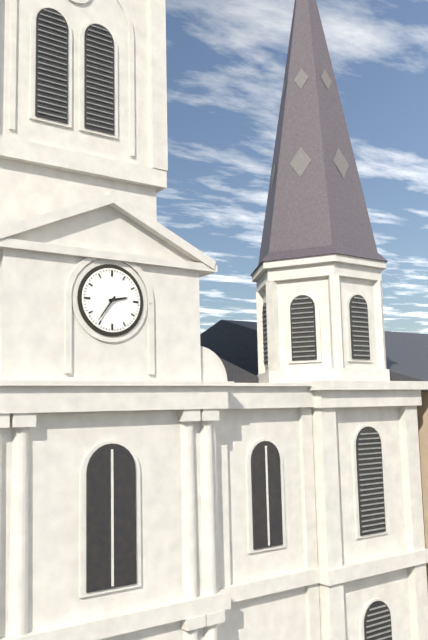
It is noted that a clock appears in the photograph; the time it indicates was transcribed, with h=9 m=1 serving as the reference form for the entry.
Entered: h=2 m=36
